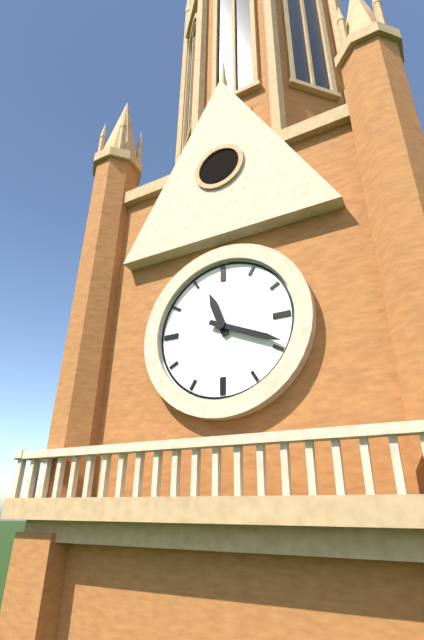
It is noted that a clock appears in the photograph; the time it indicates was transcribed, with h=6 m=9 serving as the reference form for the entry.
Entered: h=11 m=19
